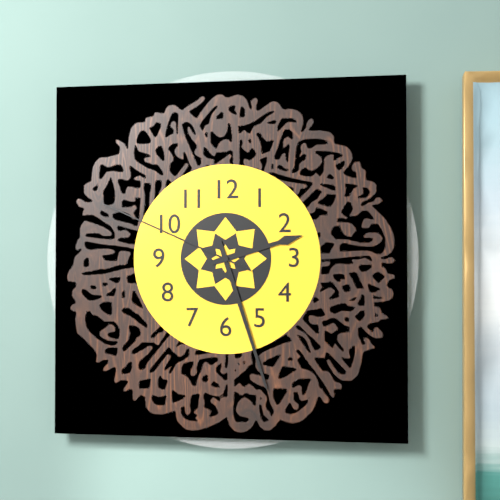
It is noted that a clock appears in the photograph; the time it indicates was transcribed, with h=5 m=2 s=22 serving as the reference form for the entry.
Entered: h=2 m=27 s=49
